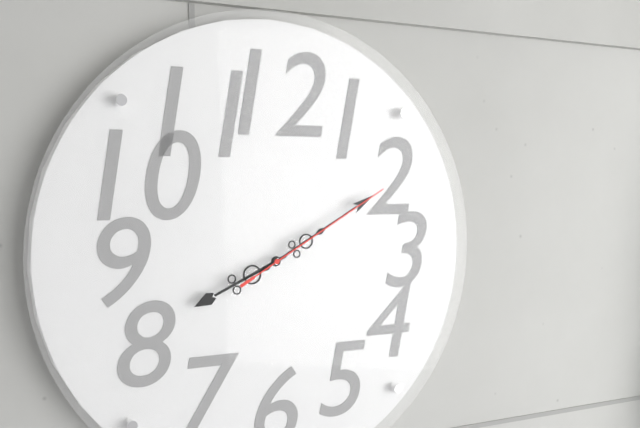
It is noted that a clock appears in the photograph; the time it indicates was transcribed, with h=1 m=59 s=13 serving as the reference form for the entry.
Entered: h=8 m=10 s=10
